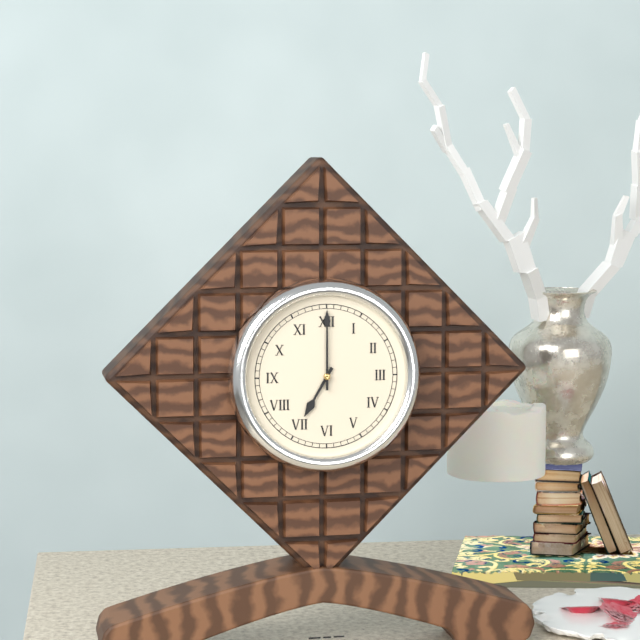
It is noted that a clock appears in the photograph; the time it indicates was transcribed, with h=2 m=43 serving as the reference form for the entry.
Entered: h=7 m=0
